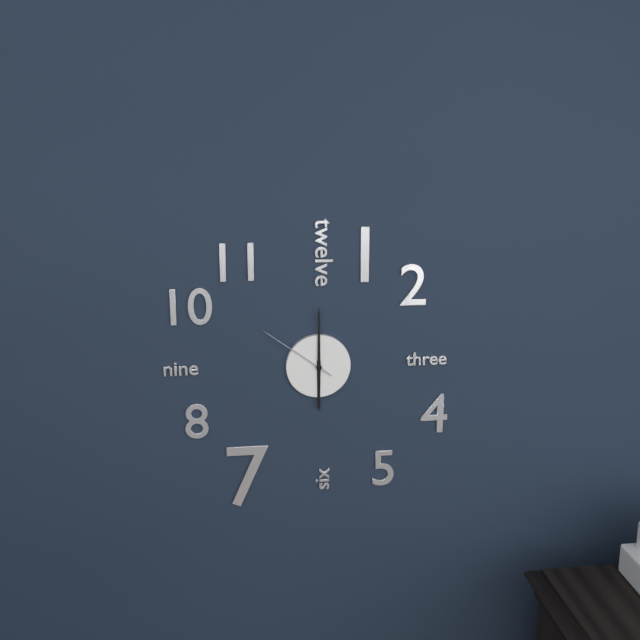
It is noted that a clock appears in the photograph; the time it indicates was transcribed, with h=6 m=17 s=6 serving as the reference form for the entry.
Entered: h=6 m=0 s=51
